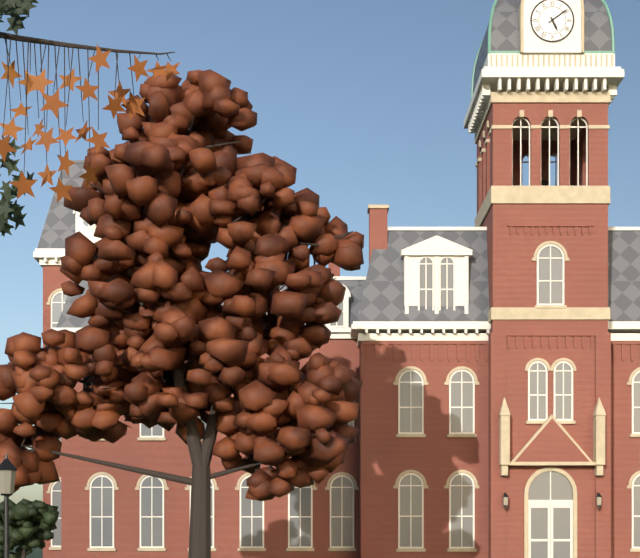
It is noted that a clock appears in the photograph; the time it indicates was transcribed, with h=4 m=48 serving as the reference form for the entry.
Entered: h=5 m=9
